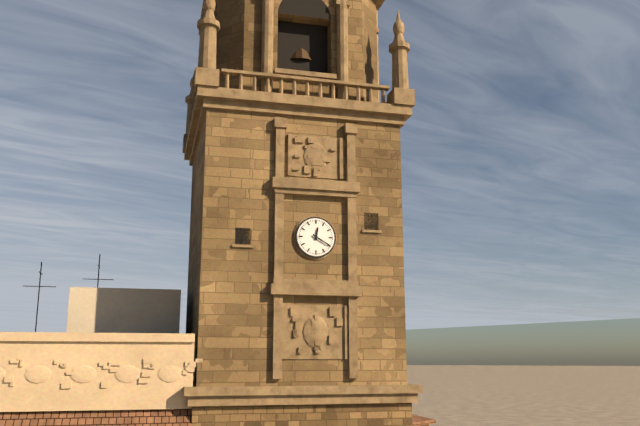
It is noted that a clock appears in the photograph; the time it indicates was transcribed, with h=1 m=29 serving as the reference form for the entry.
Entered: h=12 m=20
